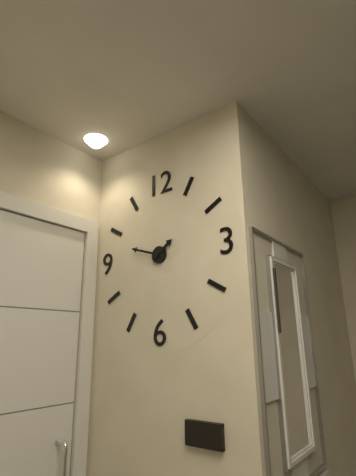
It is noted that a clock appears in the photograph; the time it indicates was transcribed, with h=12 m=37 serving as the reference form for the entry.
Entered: h=1 m=48
